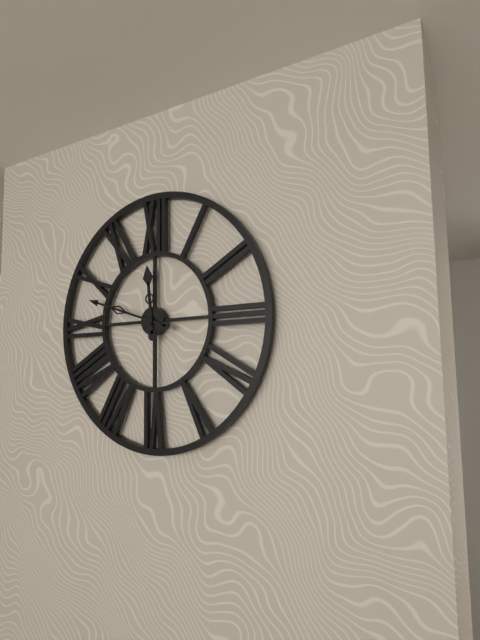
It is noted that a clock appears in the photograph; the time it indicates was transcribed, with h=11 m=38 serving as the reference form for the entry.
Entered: h=11 m=48
